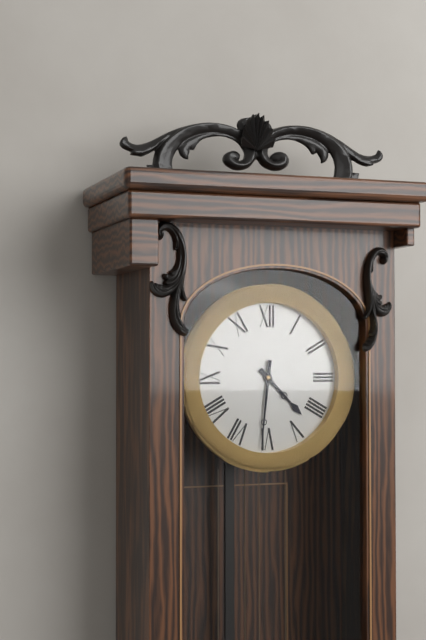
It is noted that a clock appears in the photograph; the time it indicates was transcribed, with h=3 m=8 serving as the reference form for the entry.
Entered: h=4 m=31
